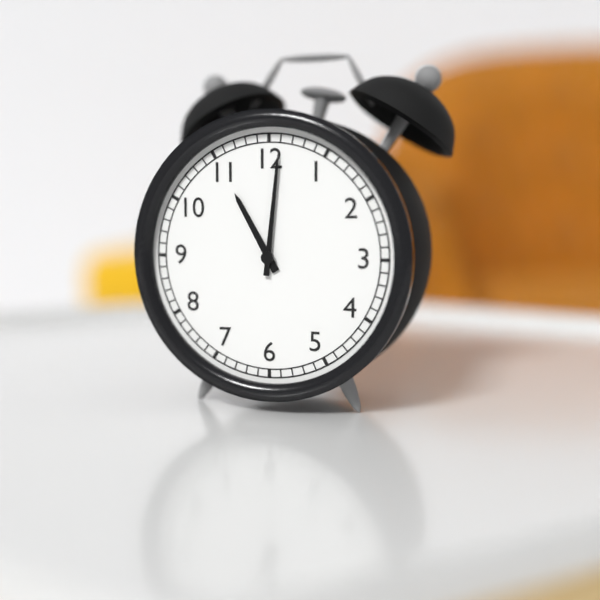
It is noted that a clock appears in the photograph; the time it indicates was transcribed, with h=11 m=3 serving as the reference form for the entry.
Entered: h=11 m=1
